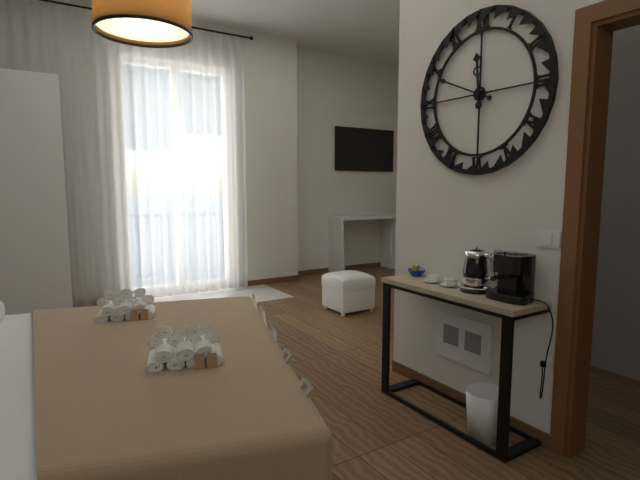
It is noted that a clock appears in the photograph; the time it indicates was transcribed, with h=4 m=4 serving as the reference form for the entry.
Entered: h=11 m=49
